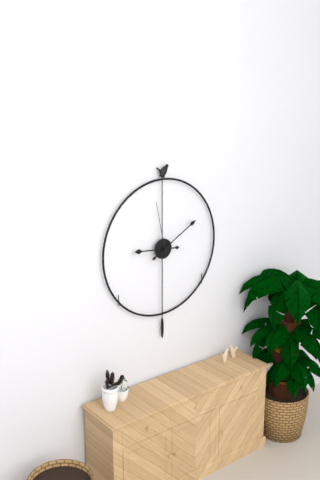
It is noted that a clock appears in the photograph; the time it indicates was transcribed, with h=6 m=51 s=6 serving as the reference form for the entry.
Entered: h=9 m=10 s=58
